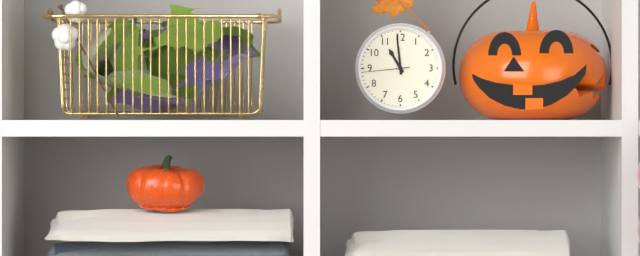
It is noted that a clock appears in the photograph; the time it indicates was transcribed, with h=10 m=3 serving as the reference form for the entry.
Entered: h=10 m=59
